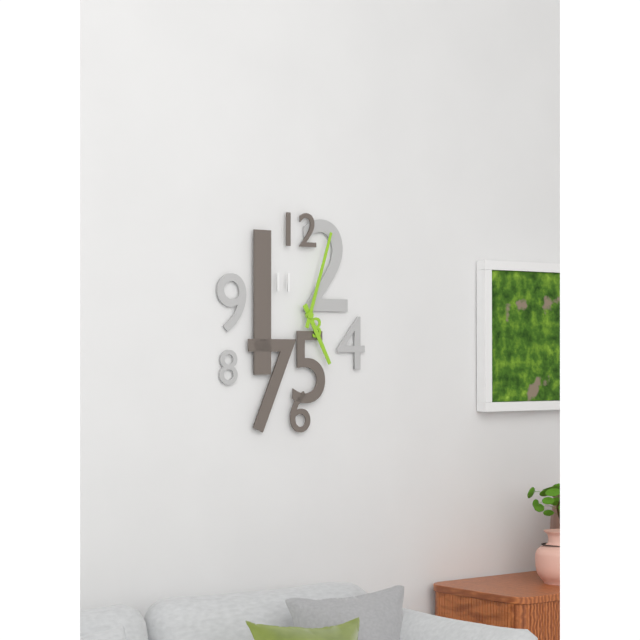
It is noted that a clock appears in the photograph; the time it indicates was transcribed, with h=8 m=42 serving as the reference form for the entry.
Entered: h=5 m=3
